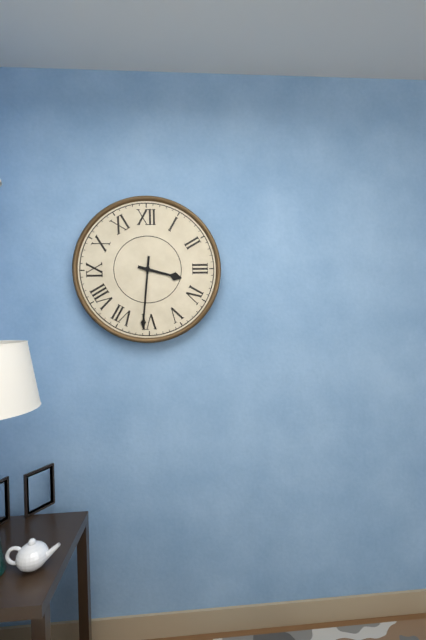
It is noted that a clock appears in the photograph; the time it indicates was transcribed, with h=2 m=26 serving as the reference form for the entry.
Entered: h=3 m=31
